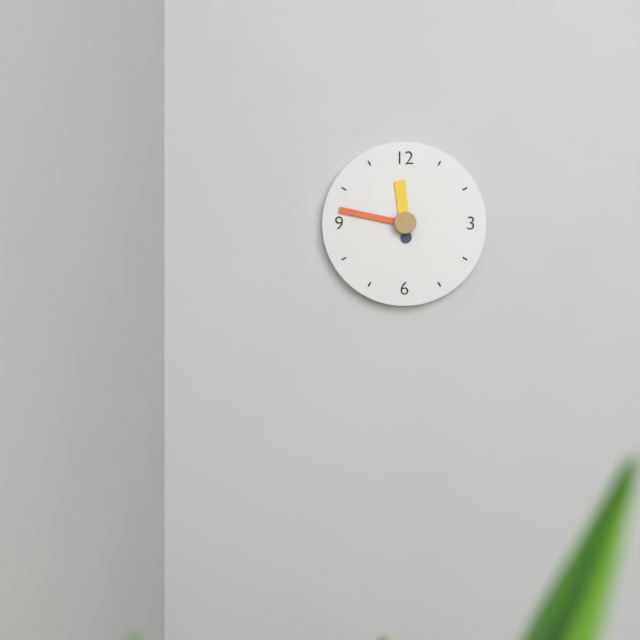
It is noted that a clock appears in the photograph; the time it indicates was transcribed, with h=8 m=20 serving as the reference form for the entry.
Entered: h=11 m=47
